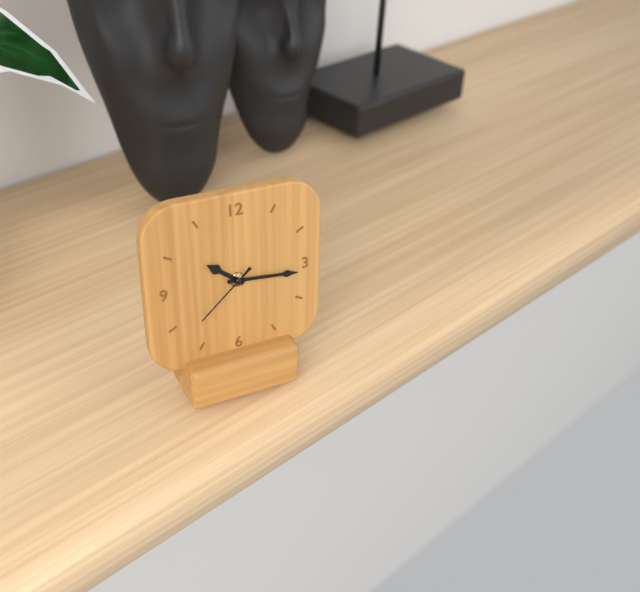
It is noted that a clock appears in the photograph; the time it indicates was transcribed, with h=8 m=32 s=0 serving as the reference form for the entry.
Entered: h=10 m=16 s=38
